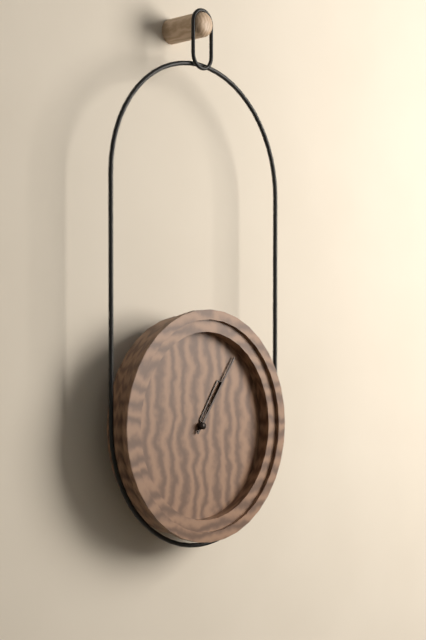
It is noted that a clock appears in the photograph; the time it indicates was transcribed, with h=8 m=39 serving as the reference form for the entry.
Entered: h=1 m=6
